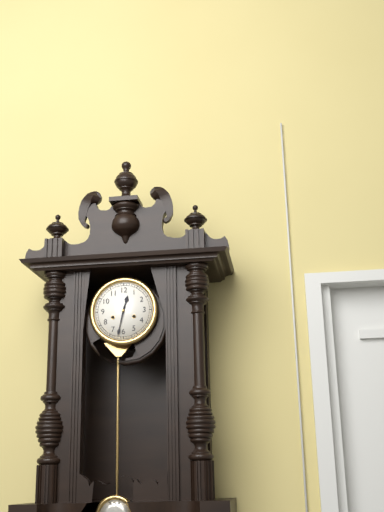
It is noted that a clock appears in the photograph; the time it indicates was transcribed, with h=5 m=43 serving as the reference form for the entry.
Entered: h=12 m=32
